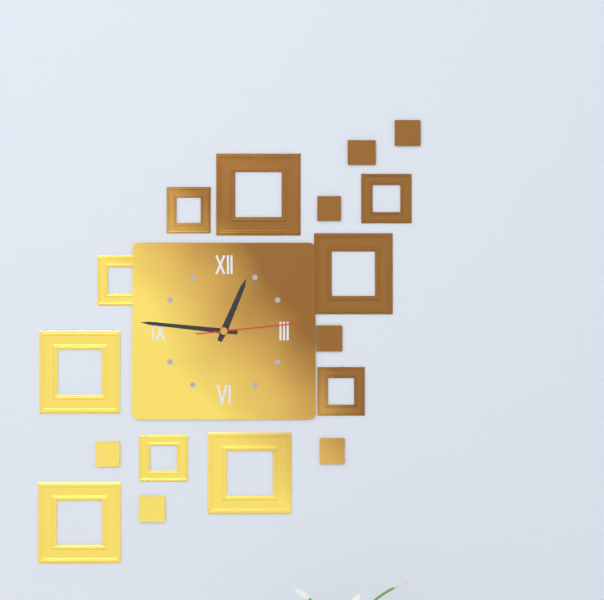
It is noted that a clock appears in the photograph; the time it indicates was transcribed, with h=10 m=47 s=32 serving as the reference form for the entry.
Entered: h=12 m=46 s=14
